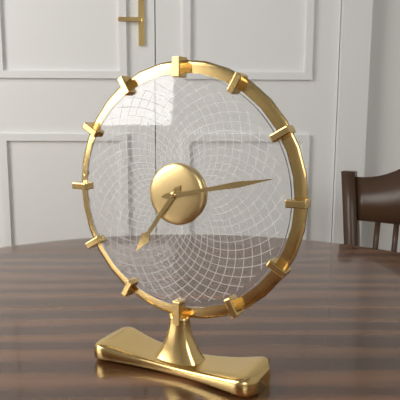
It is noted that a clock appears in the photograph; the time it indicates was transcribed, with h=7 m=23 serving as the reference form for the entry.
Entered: h=7 m=13
